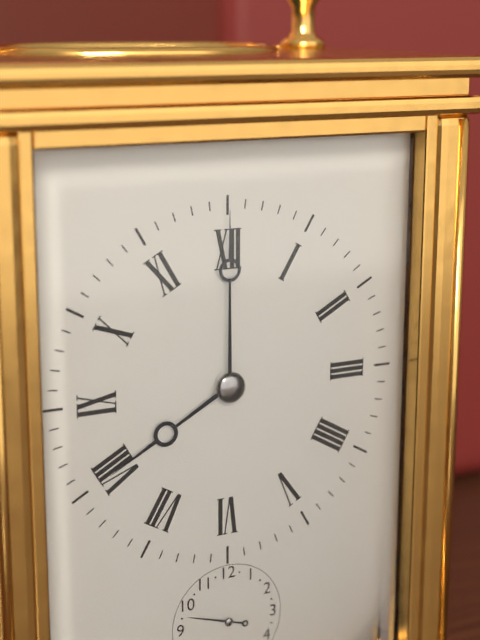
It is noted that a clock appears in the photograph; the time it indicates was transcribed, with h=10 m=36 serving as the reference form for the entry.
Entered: h=8 m=0
